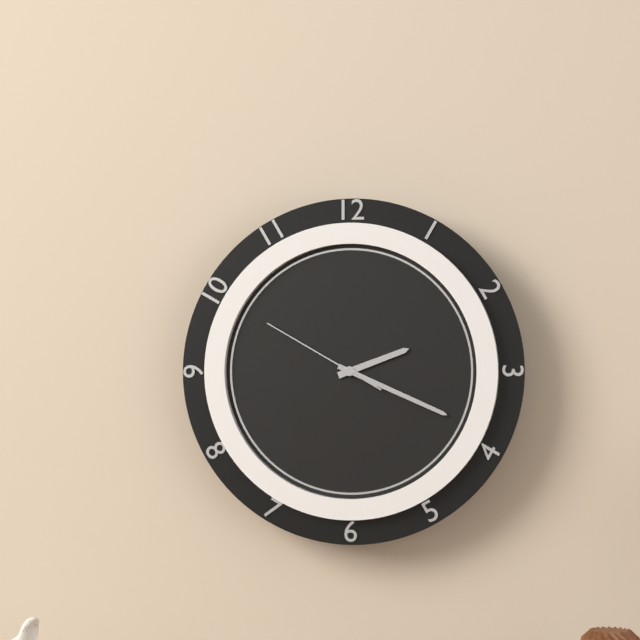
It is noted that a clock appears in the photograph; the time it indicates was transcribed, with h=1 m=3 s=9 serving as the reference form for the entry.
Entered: h=2 m=19 s=50
